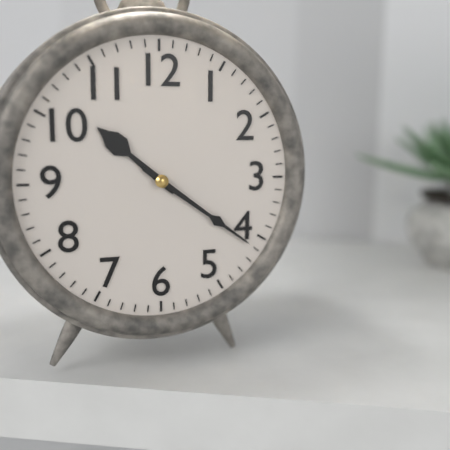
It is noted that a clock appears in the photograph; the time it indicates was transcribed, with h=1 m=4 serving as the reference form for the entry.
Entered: h=10 m=21
